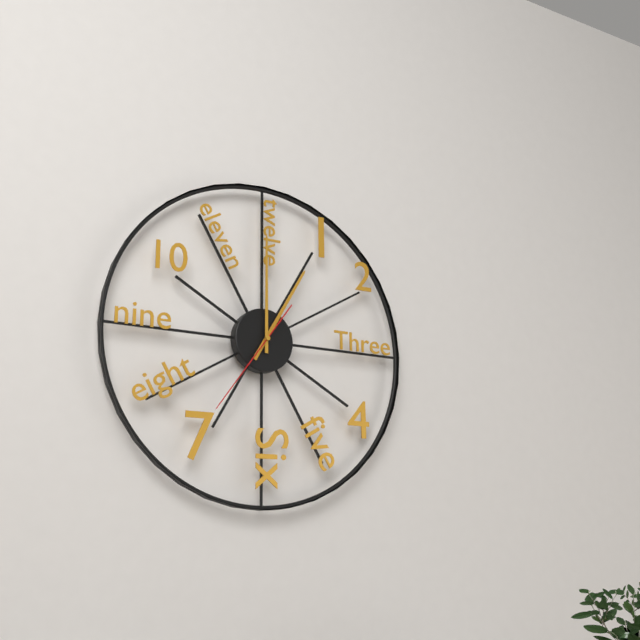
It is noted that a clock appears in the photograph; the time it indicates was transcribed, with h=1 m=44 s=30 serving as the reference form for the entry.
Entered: h=1 m=0 s=36
